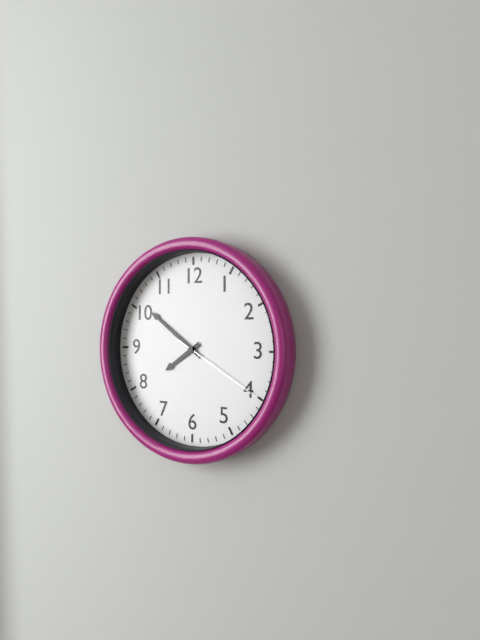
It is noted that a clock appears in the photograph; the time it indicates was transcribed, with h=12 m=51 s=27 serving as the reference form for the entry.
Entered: h=7 m=51 s=20
